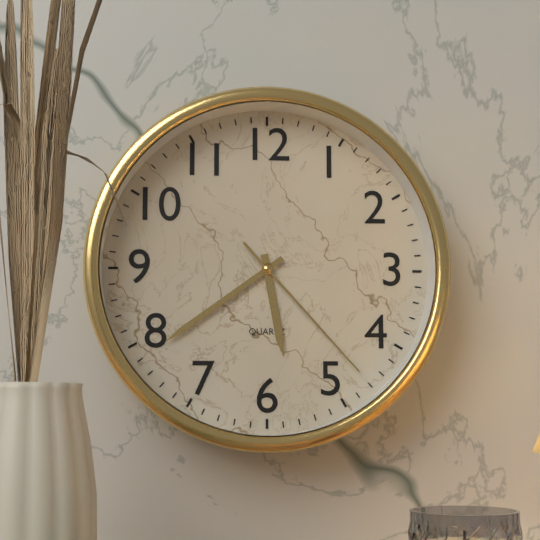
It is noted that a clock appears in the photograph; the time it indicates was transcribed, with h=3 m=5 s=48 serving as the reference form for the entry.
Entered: h=5 m=39 s=23
